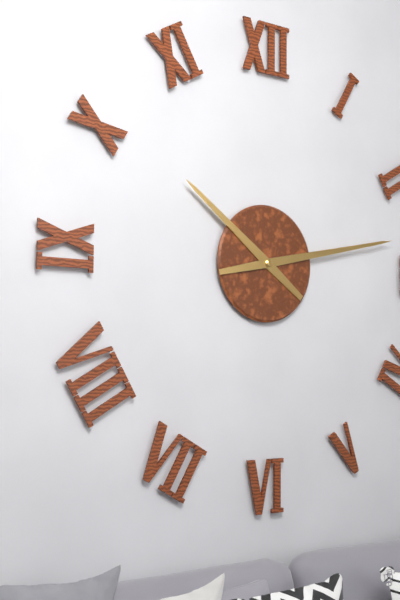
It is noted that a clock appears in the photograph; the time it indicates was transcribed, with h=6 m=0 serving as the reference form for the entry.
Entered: h=10 m=13
